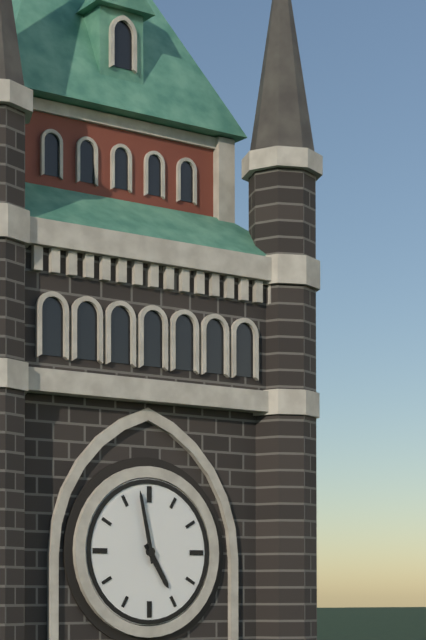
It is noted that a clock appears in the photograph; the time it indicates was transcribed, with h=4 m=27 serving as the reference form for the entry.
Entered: h=4 m=58
